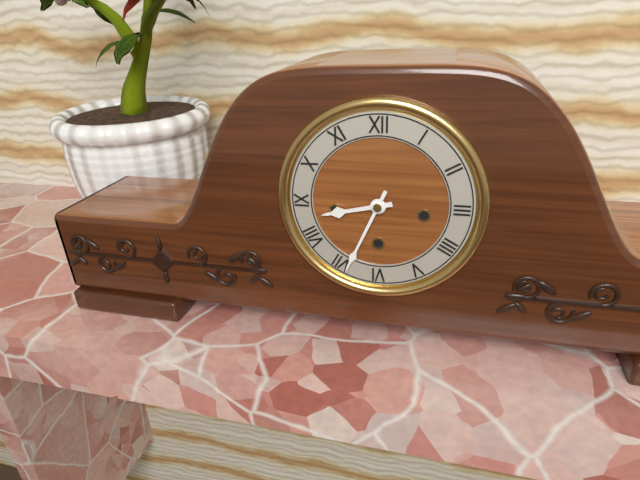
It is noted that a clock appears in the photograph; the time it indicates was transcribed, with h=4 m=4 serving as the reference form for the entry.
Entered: h=8 m=34
